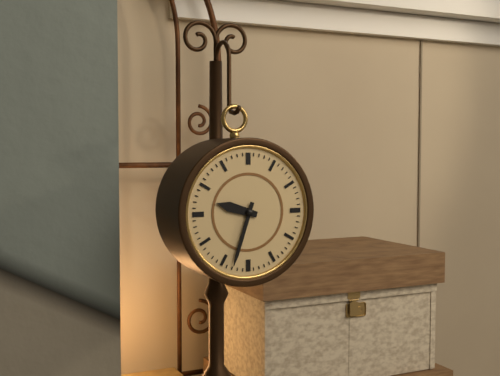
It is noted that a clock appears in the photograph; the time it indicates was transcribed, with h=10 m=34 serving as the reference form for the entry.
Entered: h=9 m=33
